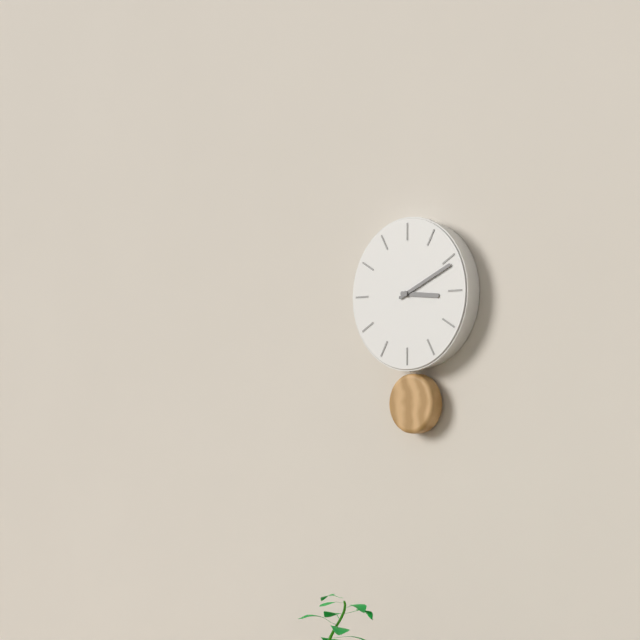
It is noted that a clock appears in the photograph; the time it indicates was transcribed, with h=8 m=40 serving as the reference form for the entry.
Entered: h=3 m=11
